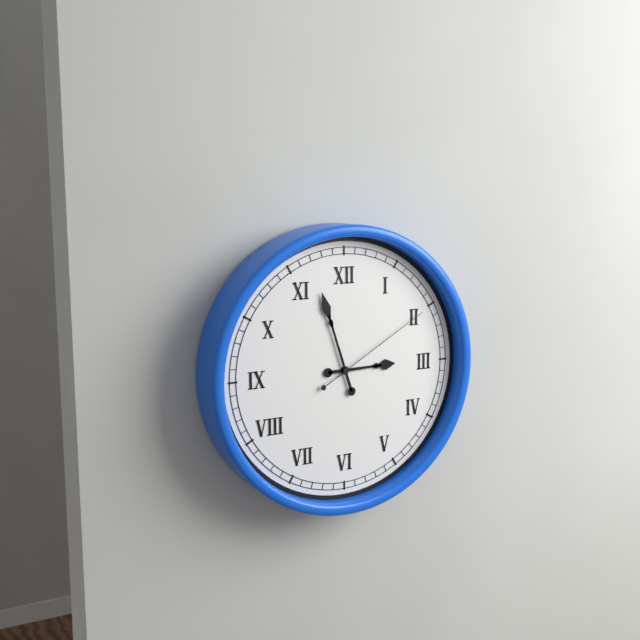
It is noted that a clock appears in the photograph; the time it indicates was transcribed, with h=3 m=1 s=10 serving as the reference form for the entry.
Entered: h=2 m=57 s=10
